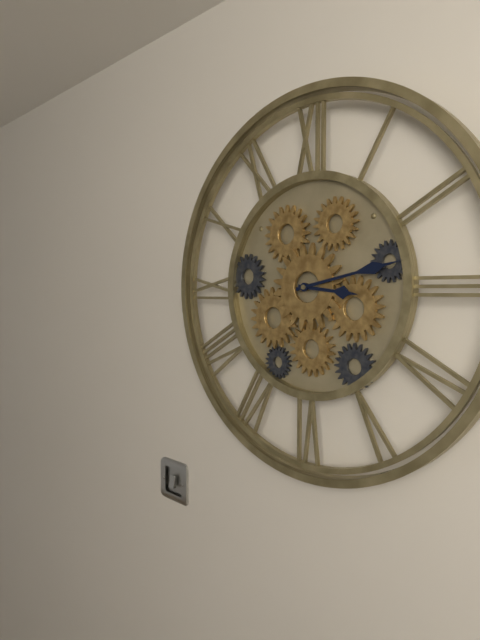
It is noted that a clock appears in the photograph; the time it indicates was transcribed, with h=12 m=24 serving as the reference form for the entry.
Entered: h=3 m=13
